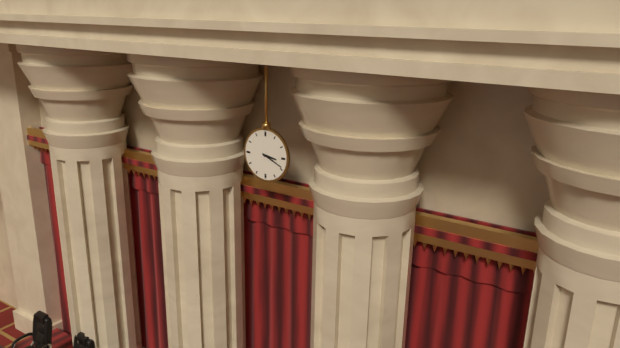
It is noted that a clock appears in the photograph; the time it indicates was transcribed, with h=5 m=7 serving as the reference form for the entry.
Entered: h=3 m=19
